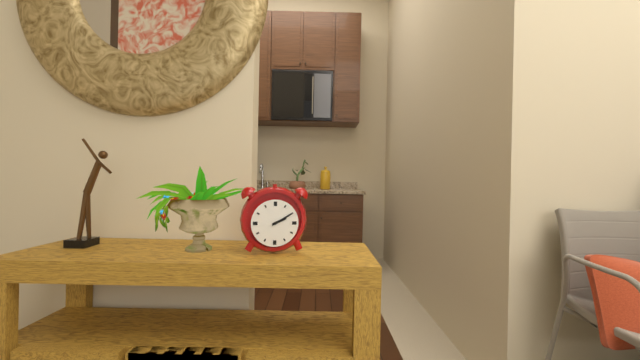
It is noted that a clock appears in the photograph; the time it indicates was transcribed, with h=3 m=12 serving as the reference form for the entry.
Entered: h=2 m=10
